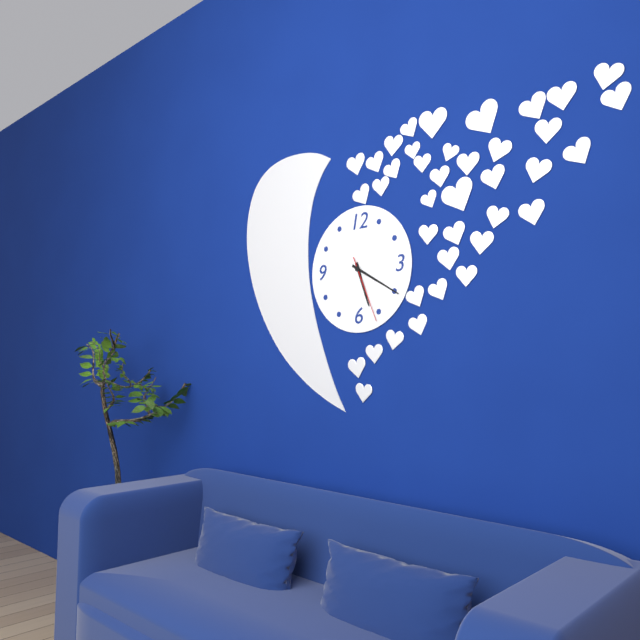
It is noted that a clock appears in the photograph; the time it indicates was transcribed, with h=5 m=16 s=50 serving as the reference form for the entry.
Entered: h=5 m=20 s=26
